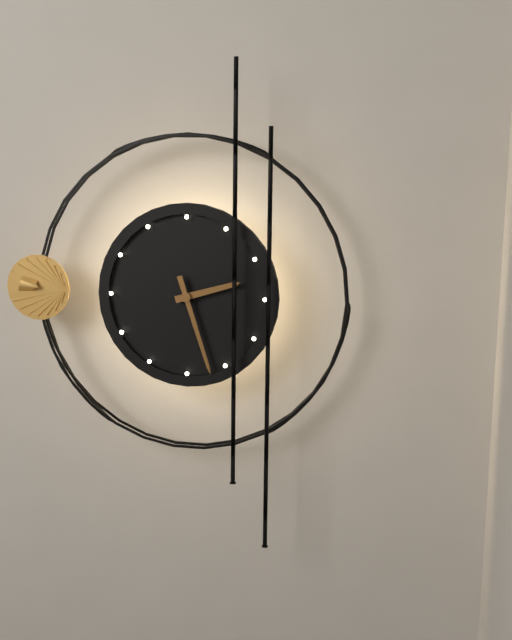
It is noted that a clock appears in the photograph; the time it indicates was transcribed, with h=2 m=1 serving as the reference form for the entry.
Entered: h=2 m=27
